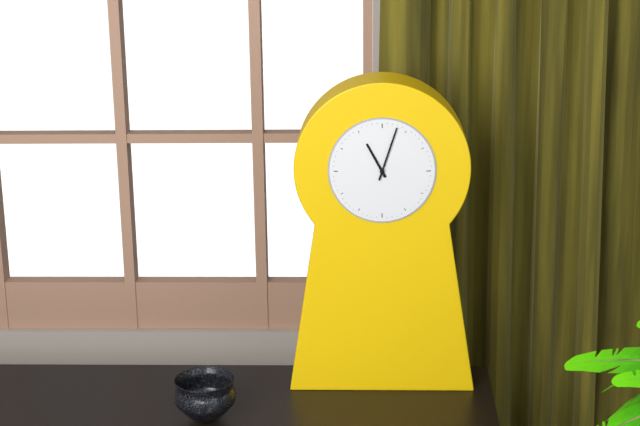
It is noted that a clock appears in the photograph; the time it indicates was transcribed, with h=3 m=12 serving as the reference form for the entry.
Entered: h=11 m=3
